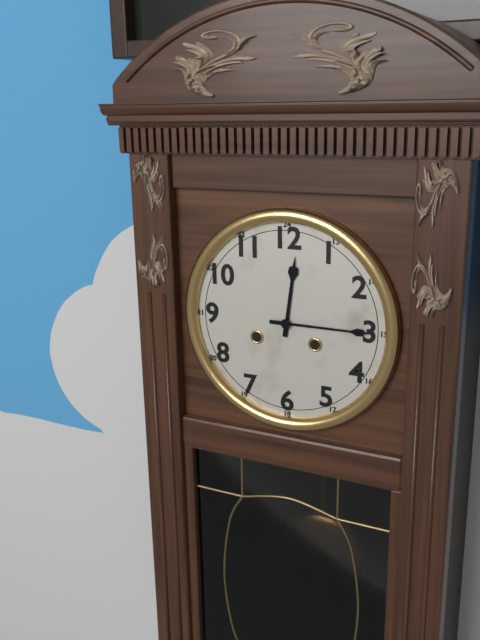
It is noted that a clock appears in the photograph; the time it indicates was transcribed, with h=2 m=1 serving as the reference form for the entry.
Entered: h=12 m=15
